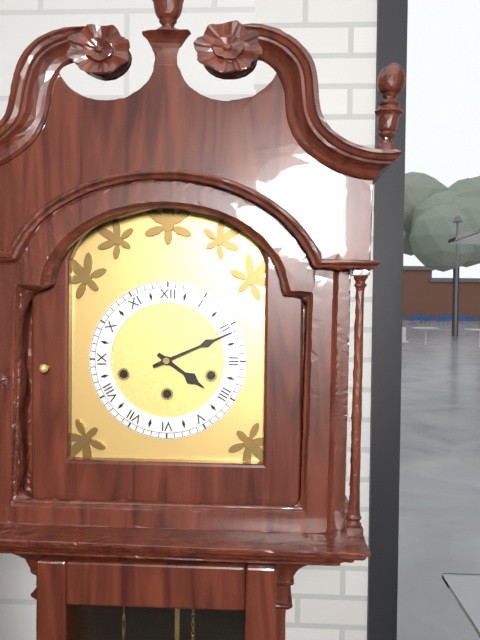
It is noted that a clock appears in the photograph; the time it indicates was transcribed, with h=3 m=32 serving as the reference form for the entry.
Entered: h=4 m=11
